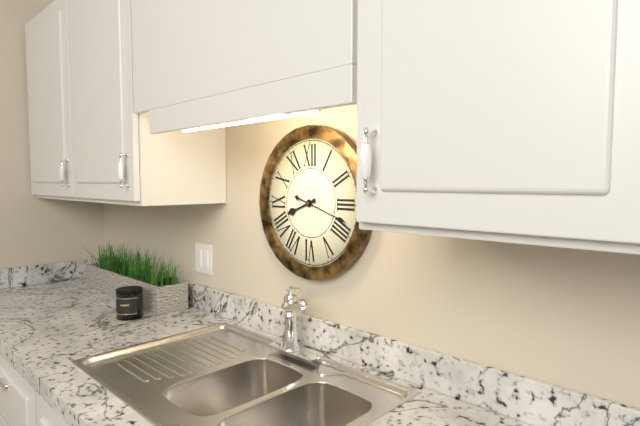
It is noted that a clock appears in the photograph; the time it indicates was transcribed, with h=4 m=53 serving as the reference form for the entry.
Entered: h=8 m=18
